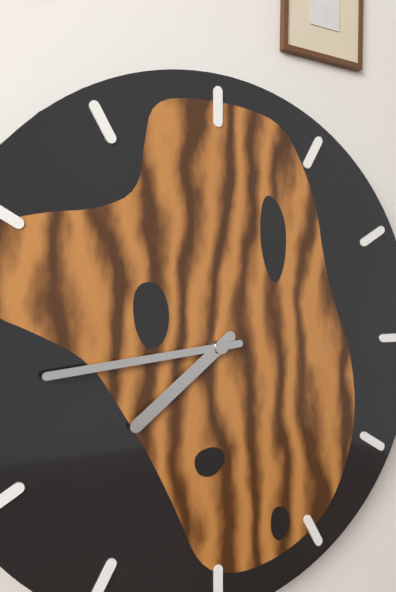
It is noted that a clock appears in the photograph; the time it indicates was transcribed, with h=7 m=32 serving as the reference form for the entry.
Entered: h=7 m=44
